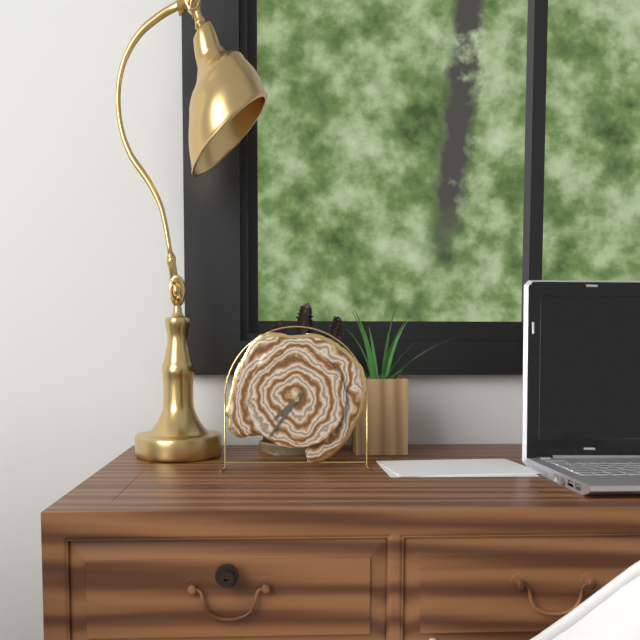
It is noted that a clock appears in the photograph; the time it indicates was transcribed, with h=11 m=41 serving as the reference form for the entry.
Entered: h=7 m=36
